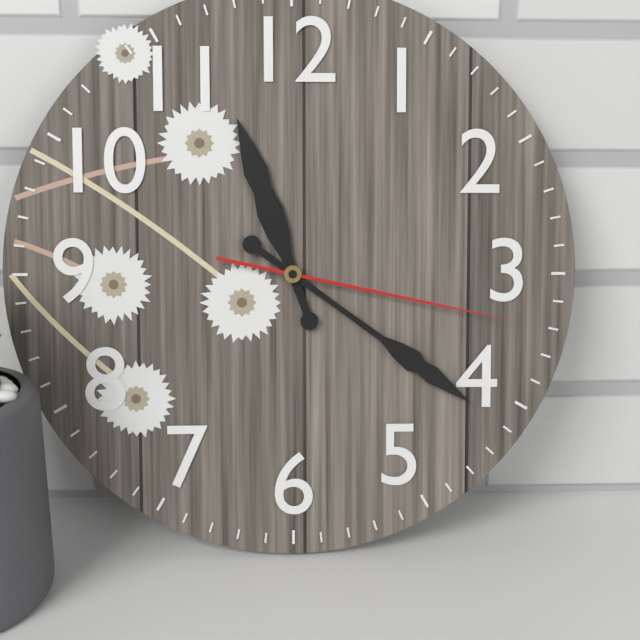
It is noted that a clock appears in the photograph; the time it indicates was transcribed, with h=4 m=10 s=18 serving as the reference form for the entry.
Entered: h=11 m=21 s=17
